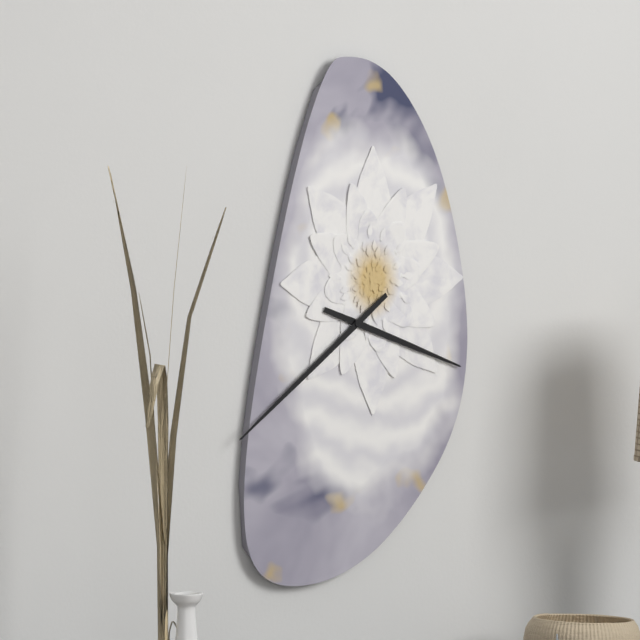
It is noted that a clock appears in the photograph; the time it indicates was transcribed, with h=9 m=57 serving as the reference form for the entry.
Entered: h=3 m=39
